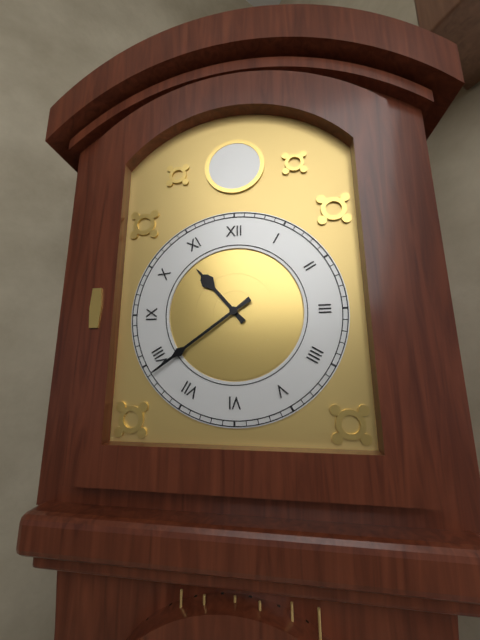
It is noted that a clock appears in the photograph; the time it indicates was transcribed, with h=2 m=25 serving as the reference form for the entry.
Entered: h=10 m=39
